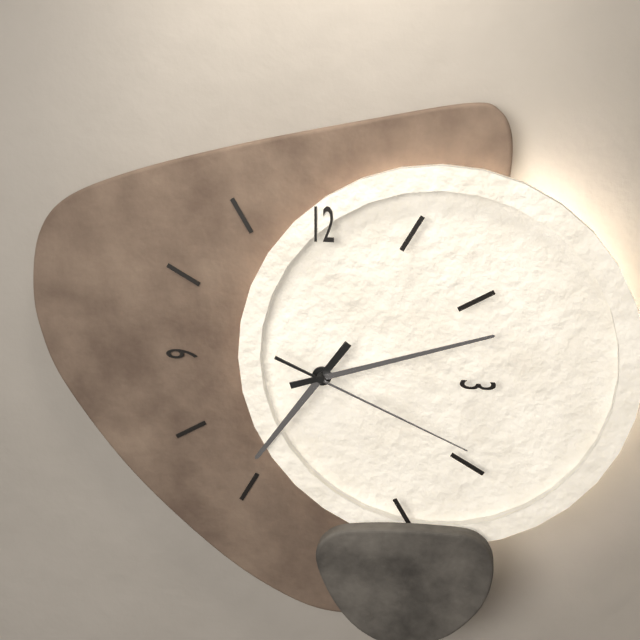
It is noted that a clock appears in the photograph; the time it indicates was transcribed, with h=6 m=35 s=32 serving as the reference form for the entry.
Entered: h=7 m=12 s=19
